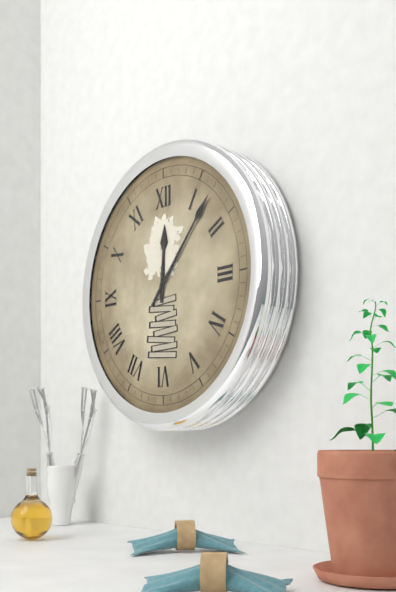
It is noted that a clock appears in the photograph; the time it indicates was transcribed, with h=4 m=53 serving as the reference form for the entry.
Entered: h=12 m=7
